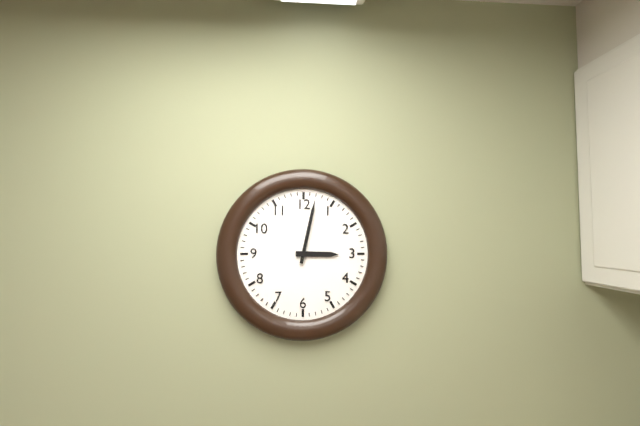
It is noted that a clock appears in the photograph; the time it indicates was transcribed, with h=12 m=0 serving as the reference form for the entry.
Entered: h=3 m=2
